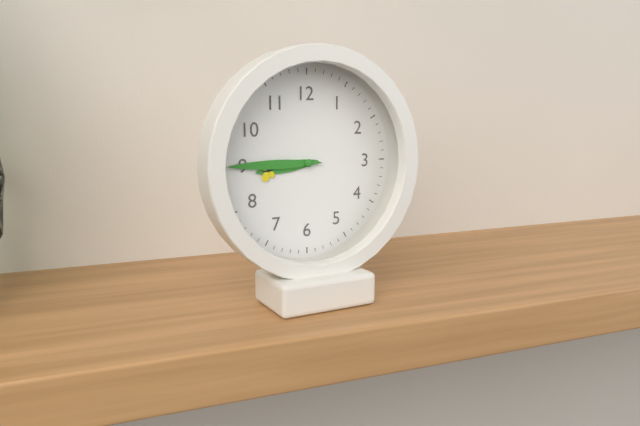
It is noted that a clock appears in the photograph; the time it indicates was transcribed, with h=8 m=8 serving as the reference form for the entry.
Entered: h=8 m=45
